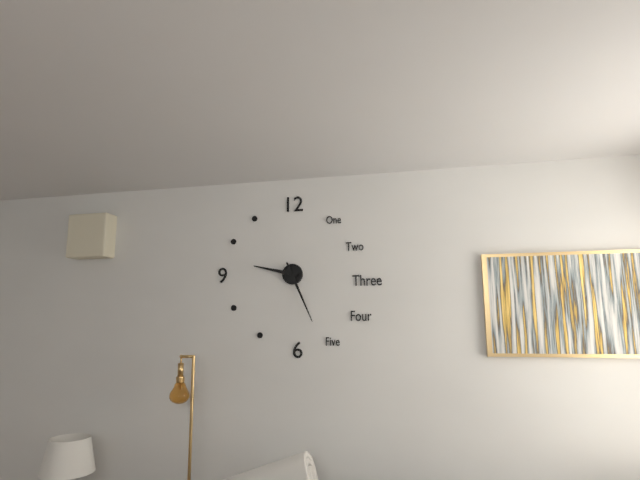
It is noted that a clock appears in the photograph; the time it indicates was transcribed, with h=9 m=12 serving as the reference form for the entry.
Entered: h=9 m=26
